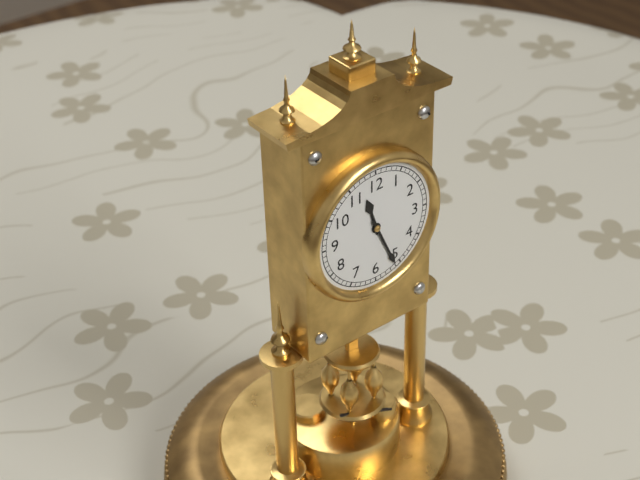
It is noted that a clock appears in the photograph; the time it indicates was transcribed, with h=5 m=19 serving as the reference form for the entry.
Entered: h=11 m=26
